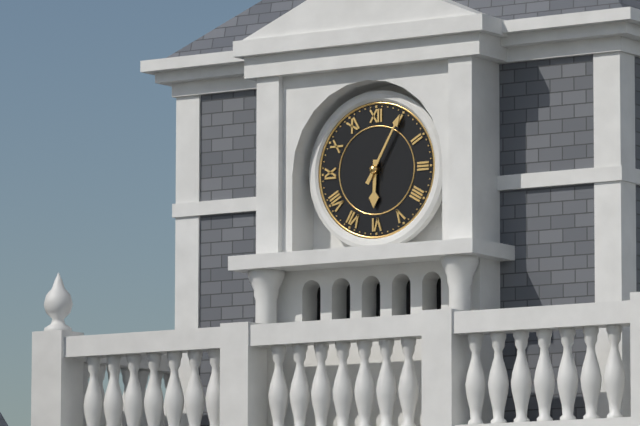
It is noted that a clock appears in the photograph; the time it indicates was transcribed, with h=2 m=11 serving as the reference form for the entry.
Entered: h=6 m=5
